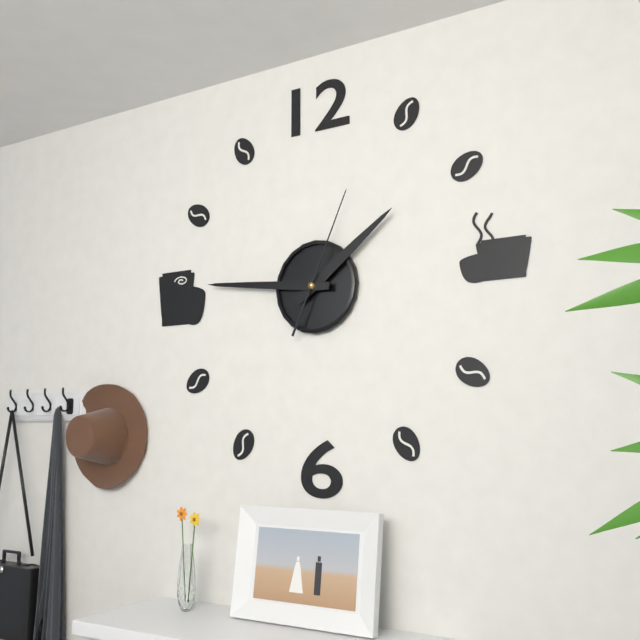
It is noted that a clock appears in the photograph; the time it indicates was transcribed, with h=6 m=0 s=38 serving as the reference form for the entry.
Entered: h=1 m=46 s=4
